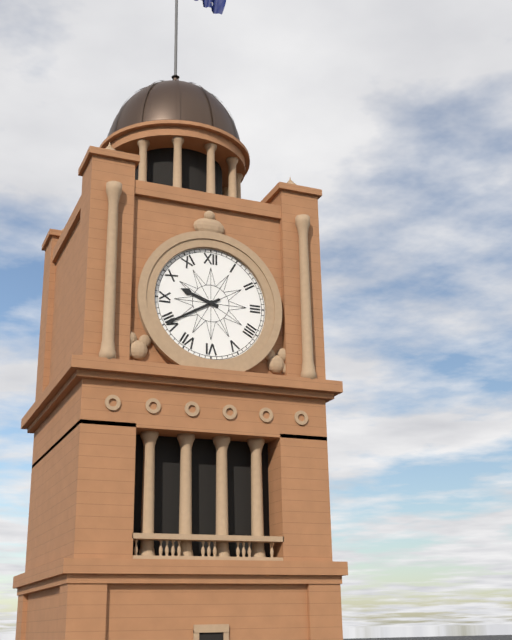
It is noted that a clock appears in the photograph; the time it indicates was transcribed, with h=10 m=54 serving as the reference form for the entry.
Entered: h=9 m=40
